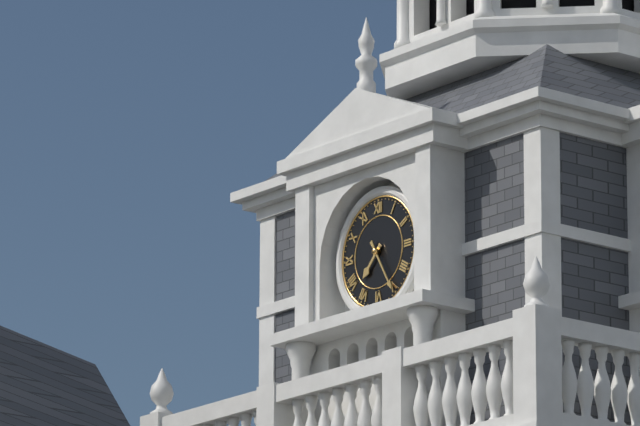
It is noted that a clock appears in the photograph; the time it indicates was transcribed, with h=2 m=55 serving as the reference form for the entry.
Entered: h=7 m=25
